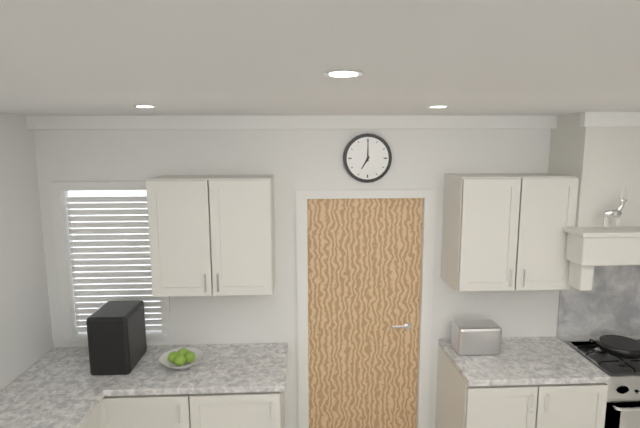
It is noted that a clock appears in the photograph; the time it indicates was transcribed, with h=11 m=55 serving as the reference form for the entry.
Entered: h=7 m=0
